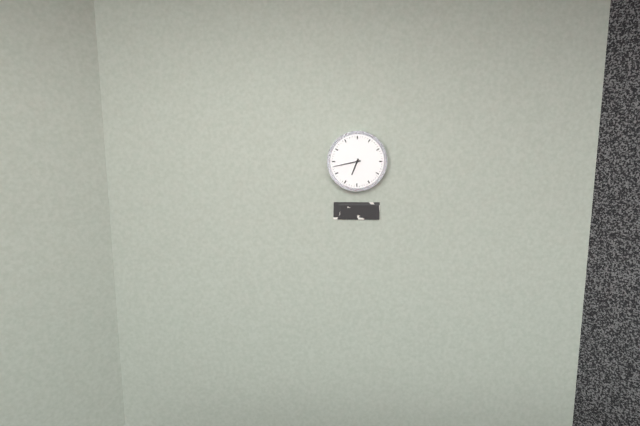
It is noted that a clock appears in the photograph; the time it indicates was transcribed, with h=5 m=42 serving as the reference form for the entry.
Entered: h=6 m=43
